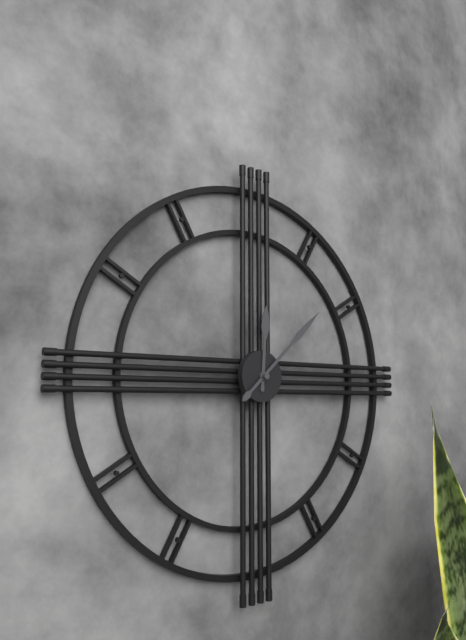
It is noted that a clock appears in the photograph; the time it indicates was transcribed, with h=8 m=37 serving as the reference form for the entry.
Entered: h=12 m=8
